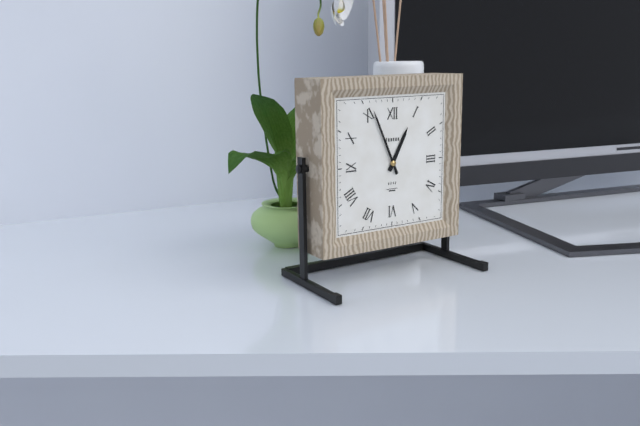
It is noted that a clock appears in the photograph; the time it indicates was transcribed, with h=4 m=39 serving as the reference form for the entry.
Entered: h=12 m=56
